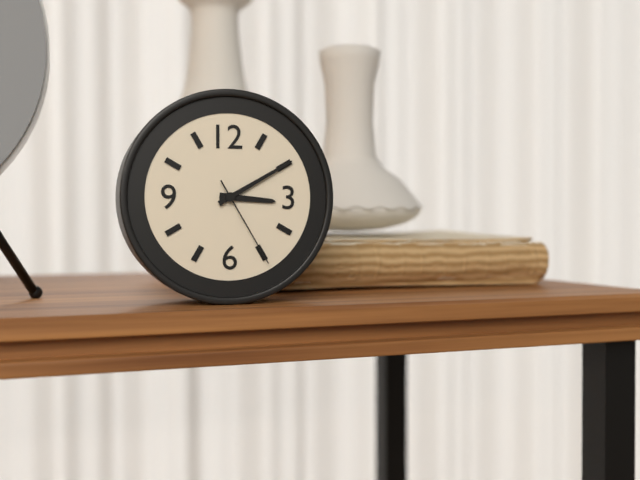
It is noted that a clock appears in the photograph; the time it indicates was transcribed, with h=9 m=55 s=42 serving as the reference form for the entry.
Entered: h=3 m=10 s=25
